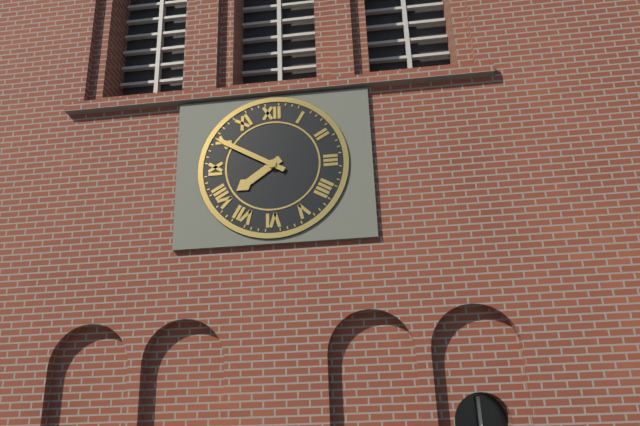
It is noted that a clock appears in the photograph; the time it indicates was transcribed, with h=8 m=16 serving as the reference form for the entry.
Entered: h=7 m=50
